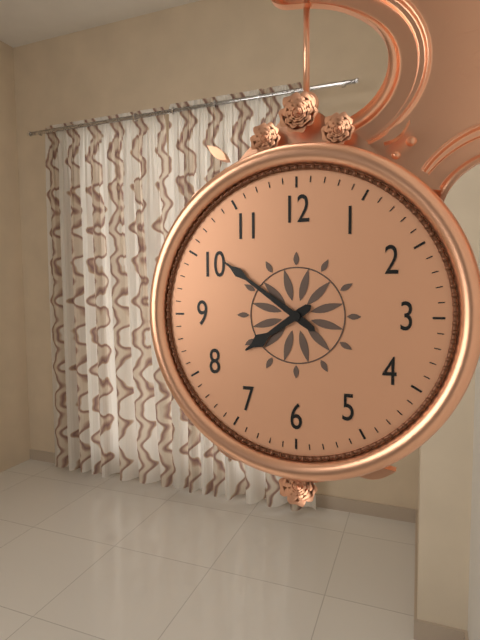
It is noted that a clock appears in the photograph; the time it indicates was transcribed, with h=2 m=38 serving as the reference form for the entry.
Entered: h=7 m=51
